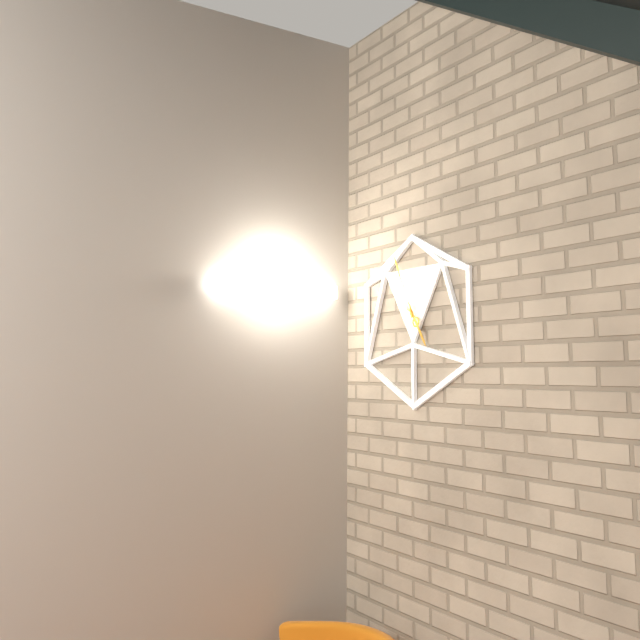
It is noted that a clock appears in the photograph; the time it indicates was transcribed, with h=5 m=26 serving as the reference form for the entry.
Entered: h=4 m=56
